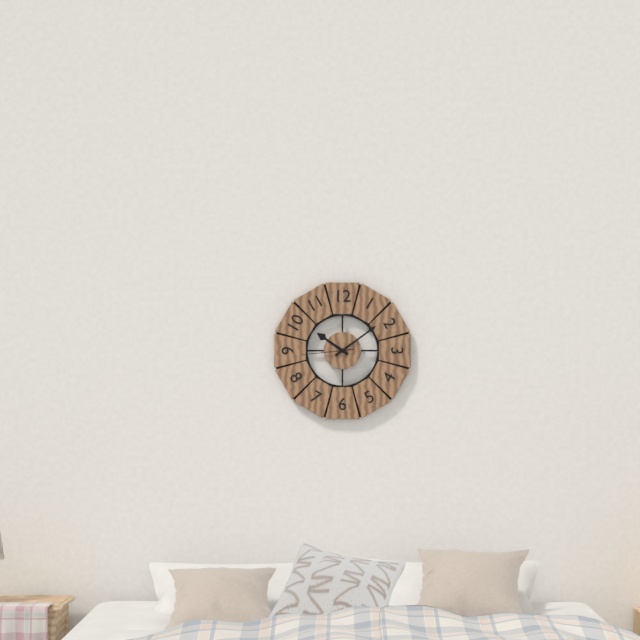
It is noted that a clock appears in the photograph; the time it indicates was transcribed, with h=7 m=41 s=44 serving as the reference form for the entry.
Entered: h=10 m=9 s=44
